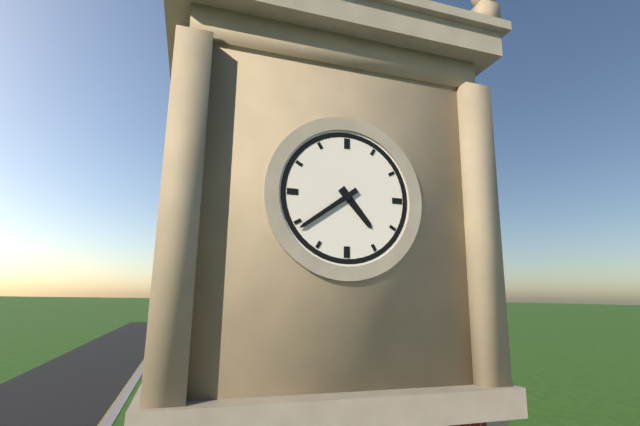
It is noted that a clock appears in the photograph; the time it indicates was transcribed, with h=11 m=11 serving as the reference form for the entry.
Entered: h=4 m=39
